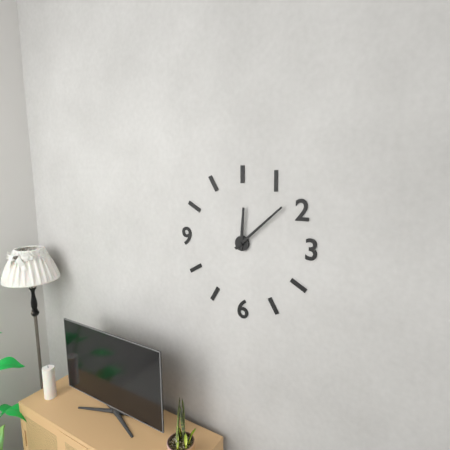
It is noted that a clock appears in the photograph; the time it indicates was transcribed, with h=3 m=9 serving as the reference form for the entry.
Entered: h=12 m=8
